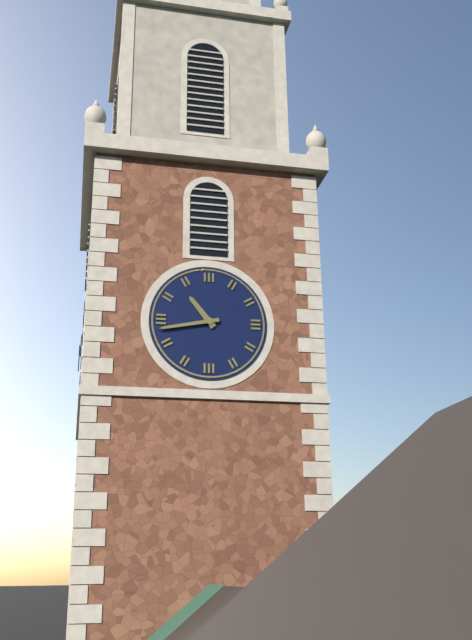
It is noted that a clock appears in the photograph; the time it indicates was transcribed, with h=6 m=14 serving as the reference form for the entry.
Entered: h=10 m=43
